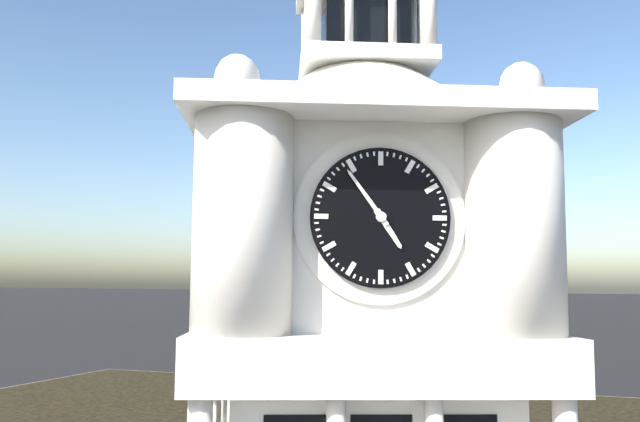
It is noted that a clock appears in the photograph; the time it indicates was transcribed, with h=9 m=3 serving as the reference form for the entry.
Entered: h=4 m=54
